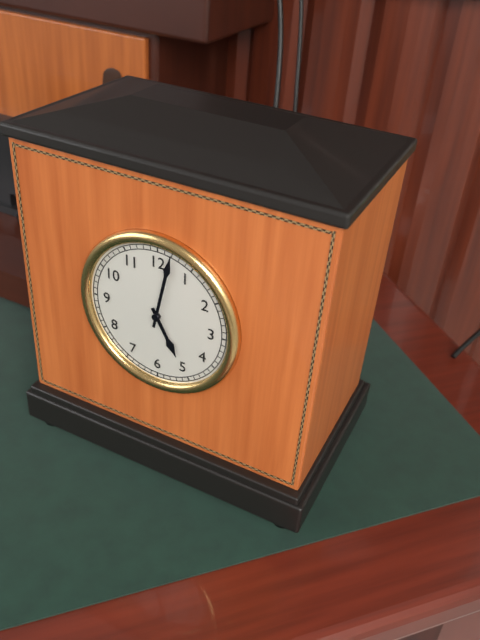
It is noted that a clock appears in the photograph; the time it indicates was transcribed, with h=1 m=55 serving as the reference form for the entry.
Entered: h=5 m=2
